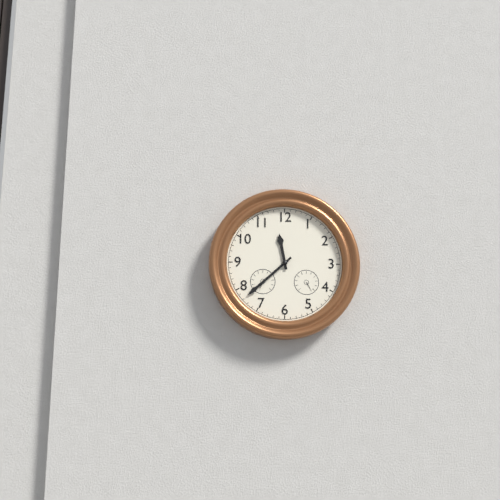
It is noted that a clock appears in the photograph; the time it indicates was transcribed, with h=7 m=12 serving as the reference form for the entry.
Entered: h=11 m=38
